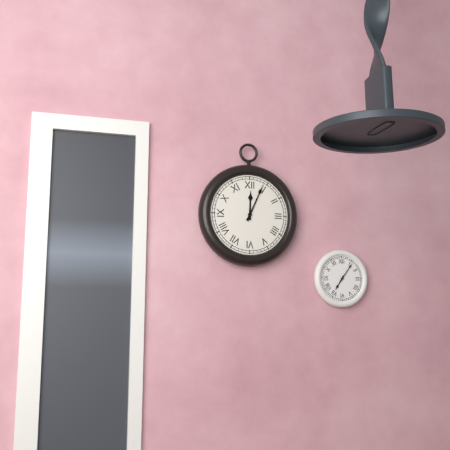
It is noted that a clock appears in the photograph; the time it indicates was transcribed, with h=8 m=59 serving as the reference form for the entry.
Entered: h=12 m=4
